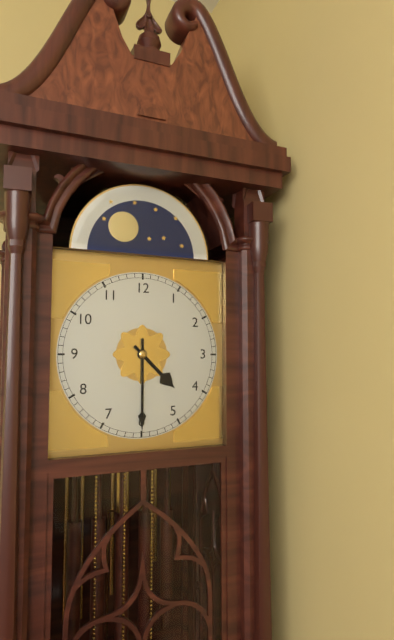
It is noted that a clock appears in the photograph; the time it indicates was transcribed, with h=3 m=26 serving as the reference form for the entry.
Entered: h=4 m=30
